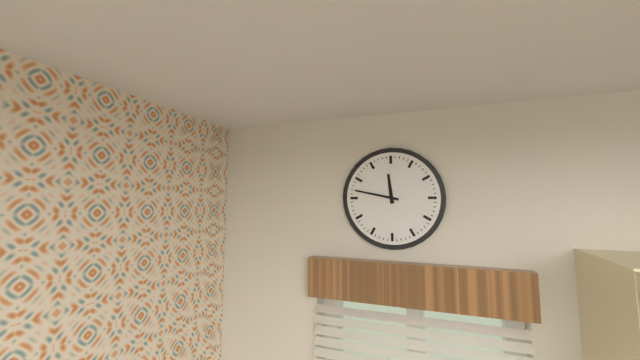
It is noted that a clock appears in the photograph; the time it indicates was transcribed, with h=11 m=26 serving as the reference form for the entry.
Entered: h=11 m=47
